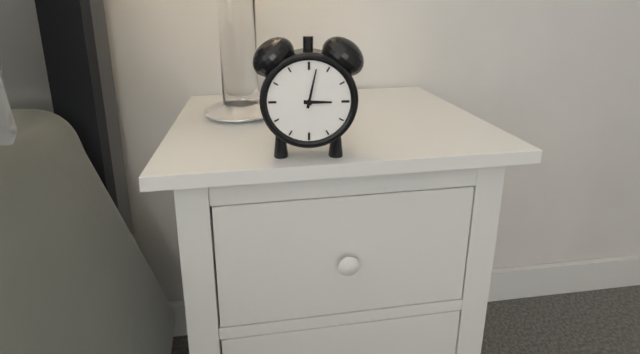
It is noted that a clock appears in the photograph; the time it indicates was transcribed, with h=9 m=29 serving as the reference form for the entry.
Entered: h=3 m=2
